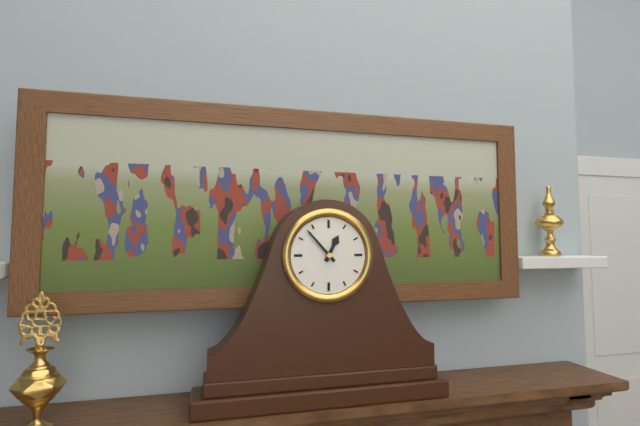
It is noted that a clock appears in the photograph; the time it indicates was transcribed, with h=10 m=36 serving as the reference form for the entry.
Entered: h=12 m=53
